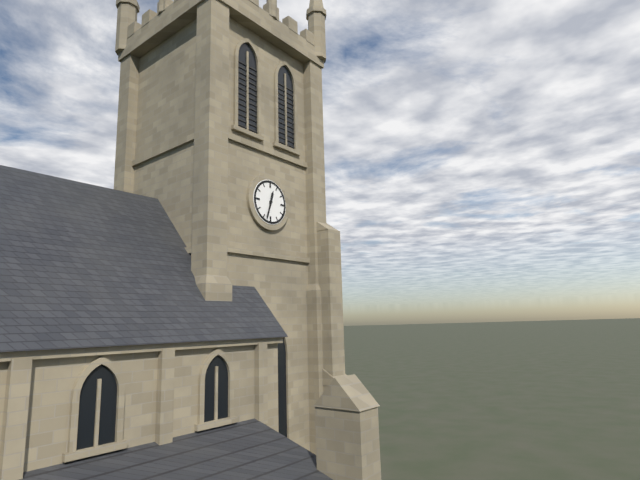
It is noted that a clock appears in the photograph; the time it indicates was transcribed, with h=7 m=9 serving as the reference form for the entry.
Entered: h=12 m=33
